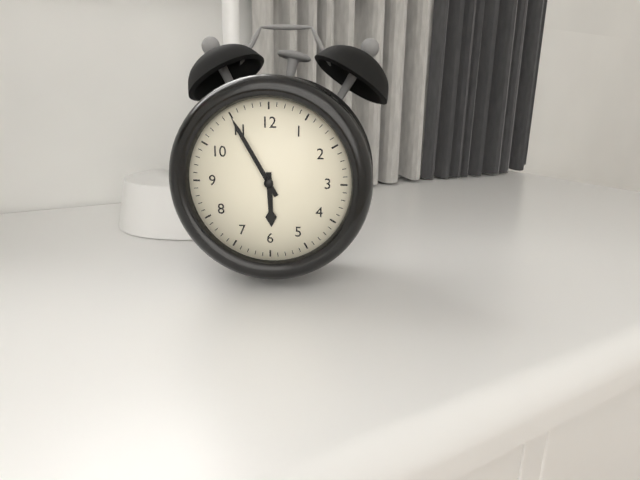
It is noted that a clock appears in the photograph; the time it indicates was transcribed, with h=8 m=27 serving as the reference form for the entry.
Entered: h=5 m=55
